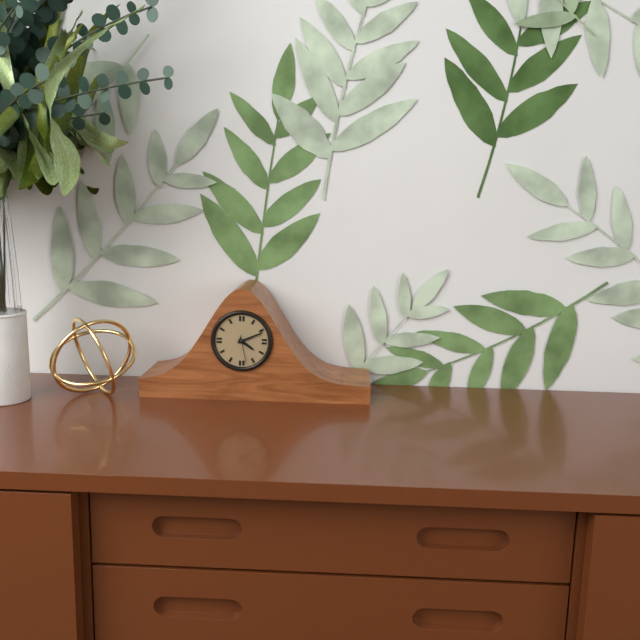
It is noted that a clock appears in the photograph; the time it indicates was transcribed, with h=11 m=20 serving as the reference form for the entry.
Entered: h=4 m=11
